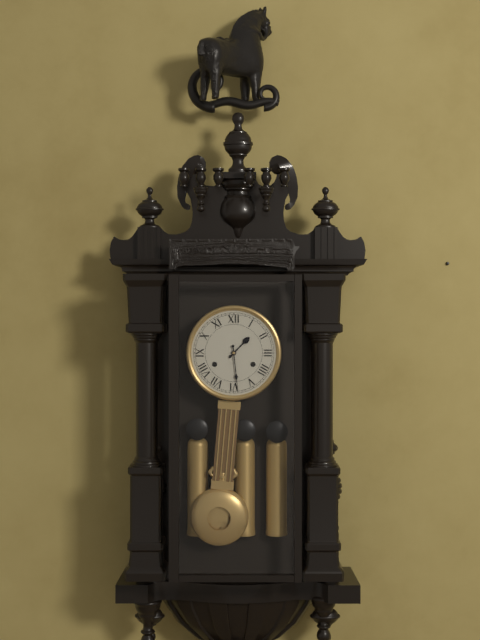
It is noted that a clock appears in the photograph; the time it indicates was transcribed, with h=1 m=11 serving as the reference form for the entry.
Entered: h=1 m=29
